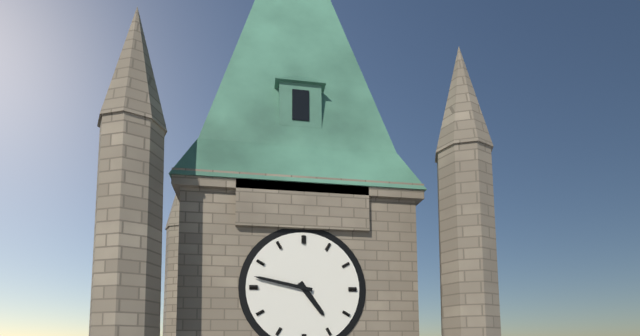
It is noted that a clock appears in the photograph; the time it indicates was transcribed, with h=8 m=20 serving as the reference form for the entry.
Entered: h=4 m=47
